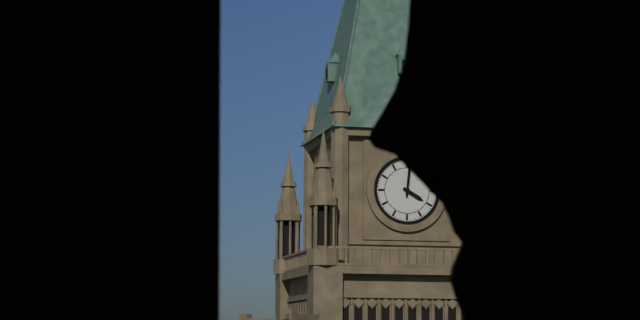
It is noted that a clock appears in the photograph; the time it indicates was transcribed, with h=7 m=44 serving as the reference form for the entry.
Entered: h=4 m=1
